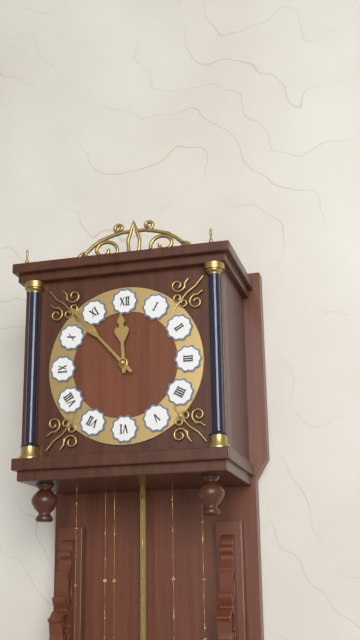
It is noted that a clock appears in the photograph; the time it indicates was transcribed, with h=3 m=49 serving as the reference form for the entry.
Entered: h=11 m=53
